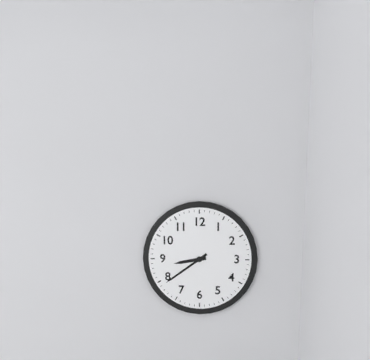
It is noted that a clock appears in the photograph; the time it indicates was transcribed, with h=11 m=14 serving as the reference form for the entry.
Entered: h=8 m=39
